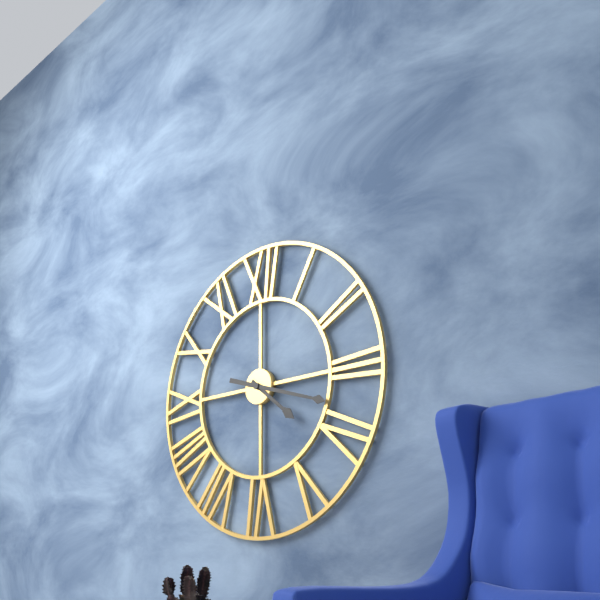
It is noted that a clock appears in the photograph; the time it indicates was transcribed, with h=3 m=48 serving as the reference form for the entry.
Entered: h=4 m=18
